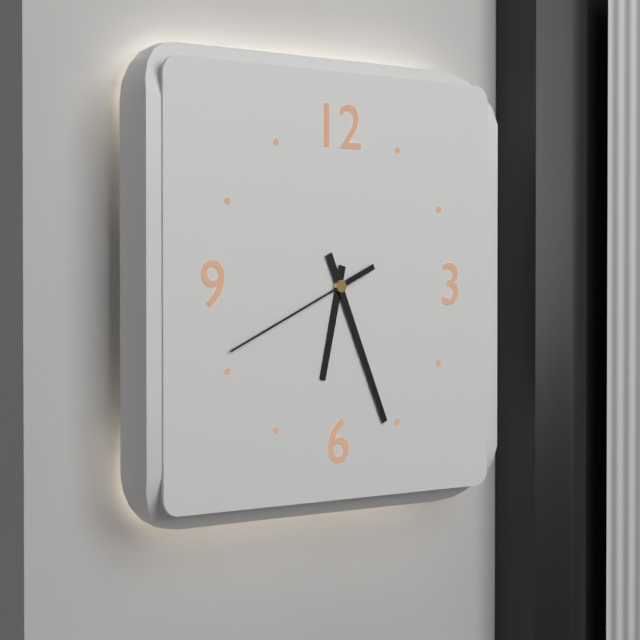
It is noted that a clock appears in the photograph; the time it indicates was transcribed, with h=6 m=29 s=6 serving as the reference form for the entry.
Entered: h=6 m=26 s=41
